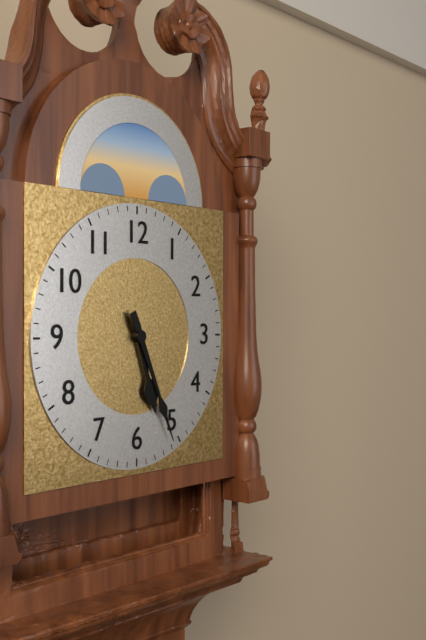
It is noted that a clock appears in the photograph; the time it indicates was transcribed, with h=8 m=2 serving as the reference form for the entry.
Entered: h=5 m=26
